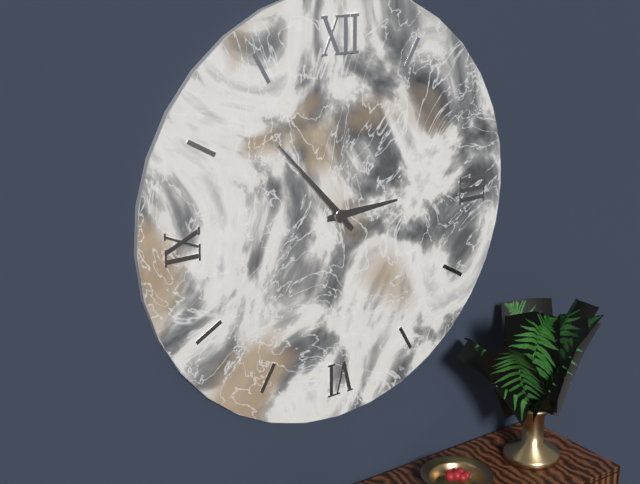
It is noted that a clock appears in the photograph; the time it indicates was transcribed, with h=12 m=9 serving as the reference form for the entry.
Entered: h=2 m=53
